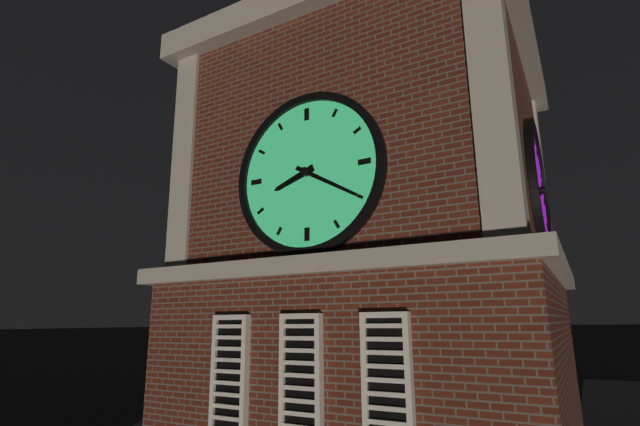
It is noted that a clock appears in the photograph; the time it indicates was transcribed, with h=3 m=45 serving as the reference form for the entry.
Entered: h=8 m=20
